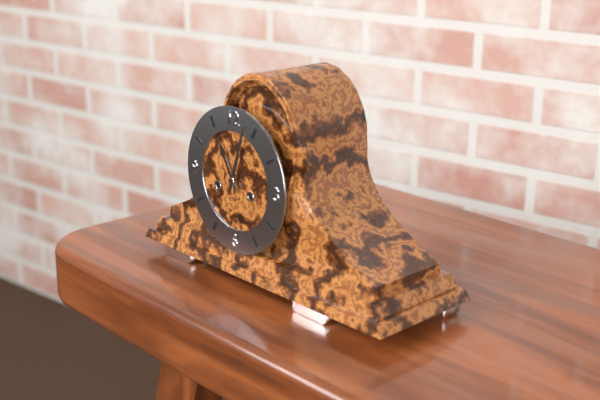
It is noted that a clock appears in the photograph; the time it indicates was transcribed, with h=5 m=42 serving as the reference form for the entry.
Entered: h=11 m=3
